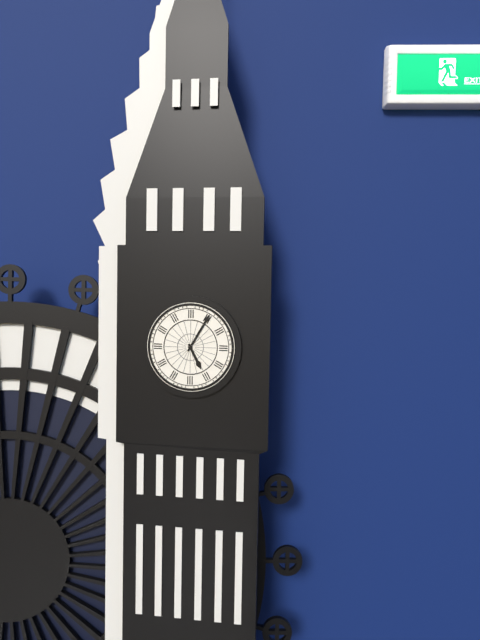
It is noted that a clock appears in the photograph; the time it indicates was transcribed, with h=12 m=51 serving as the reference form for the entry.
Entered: h=5 m=5
